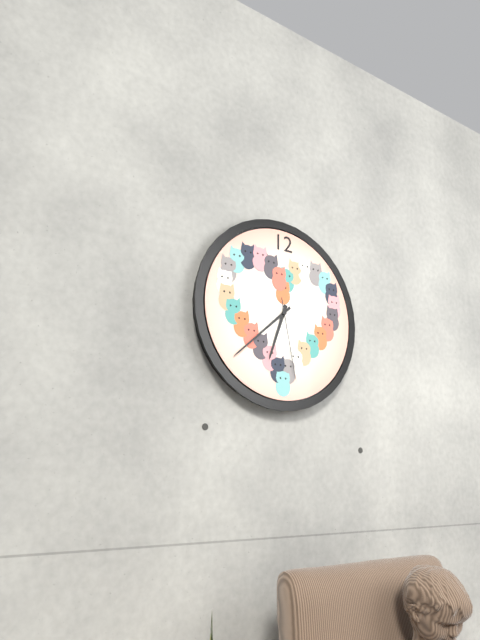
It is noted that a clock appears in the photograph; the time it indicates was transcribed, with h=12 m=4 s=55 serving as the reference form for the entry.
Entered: h=6 m=38 s=28
